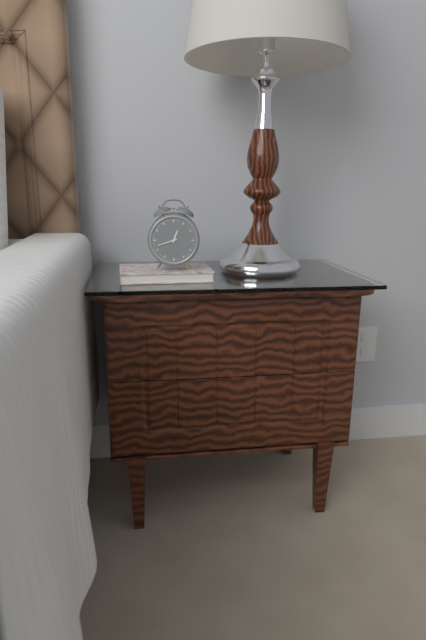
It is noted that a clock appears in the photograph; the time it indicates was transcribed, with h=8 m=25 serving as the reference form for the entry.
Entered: h=12 m=42
